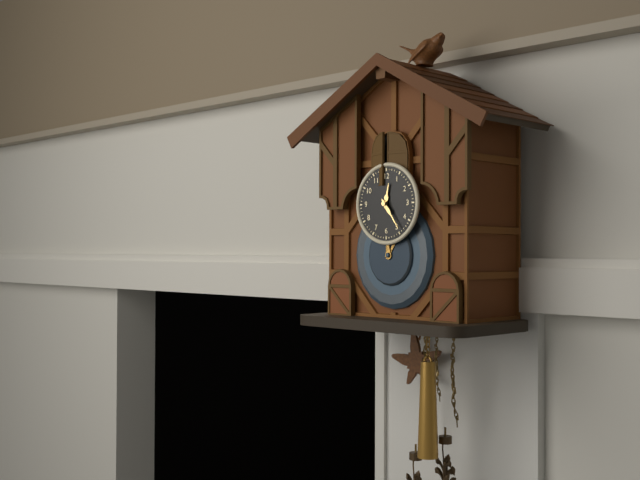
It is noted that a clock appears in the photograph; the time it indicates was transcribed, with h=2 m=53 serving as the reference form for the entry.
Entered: h=12 m=24
